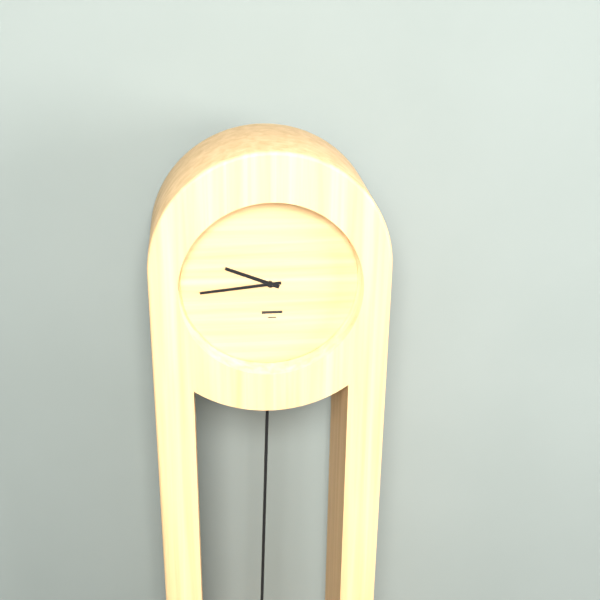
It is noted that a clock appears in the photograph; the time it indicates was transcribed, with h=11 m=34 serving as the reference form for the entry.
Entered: h=9 m=44
